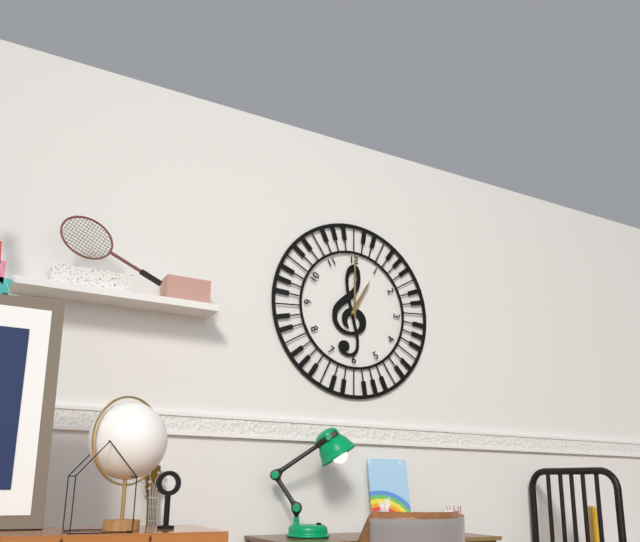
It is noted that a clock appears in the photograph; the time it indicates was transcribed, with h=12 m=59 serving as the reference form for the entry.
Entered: h=1 m=0
